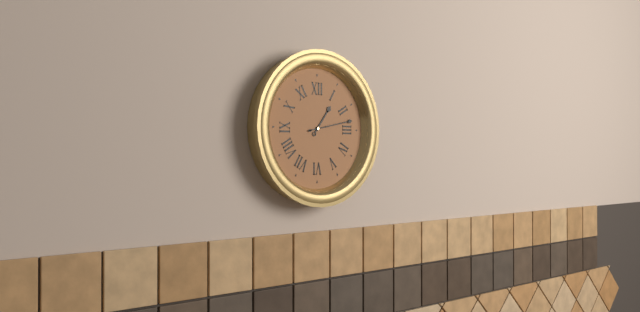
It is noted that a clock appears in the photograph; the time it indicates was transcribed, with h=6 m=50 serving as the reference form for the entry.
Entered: h=1 m=13
